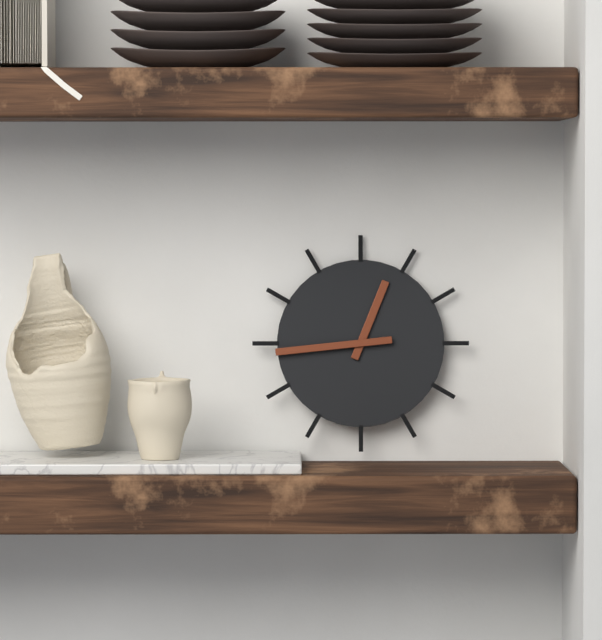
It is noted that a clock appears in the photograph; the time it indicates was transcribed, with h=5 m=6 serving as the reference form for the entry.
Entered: h=12 m=44
